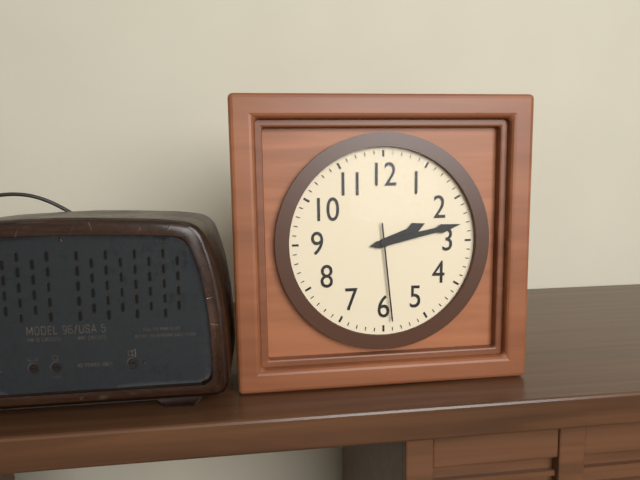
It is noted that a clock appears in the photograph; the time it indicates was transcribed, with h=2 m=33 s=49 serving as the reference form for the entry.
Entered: h=2 m=13 s=29
